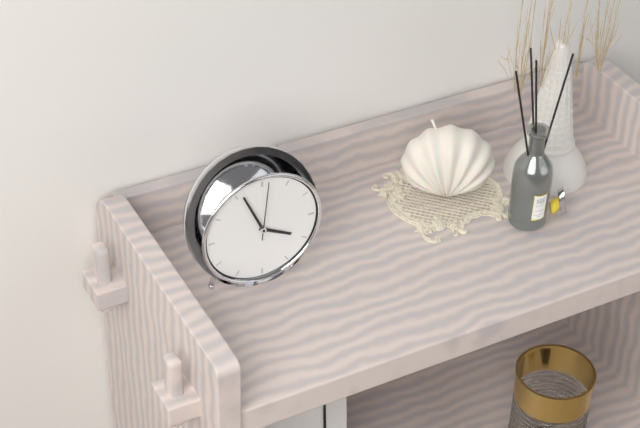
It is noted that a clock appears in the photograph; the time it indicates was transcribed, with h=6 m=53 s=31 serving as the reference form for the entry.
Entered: h=3 m=56 s=1
